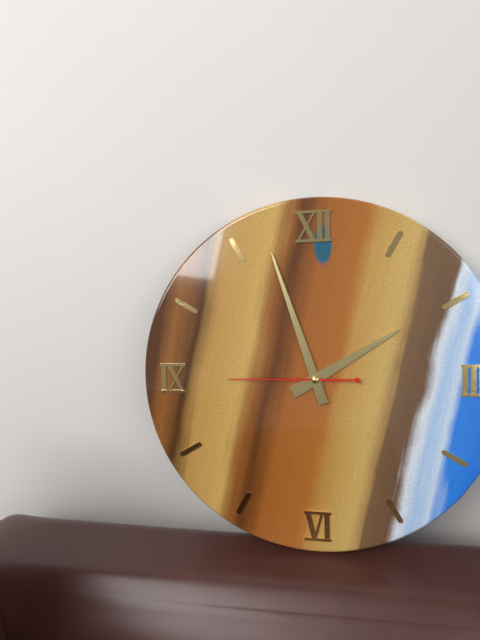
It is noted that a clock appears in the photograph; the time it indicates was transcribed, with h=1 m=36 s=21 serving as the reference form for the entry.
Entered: h=1 m=57 s=45
